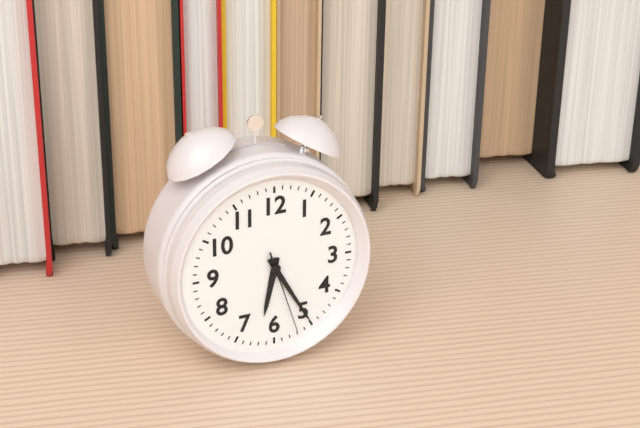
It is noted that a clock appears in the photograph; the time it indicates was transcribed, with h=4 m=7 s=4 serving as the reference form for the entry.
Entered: h=6 m=25 s=27
